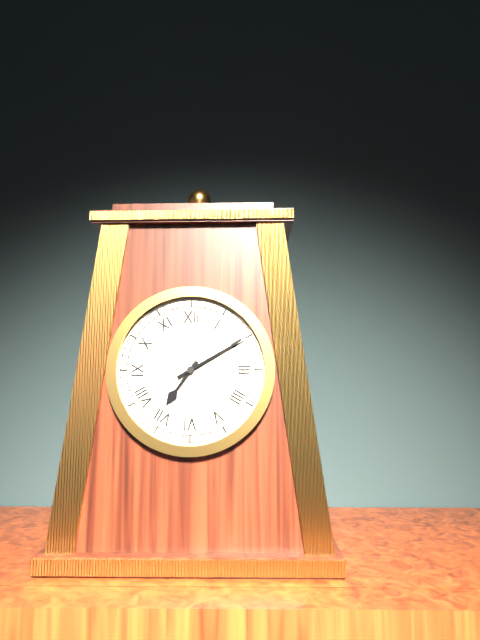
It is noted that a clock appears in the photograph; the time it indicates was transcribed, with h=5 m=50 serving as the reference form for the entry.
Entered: h=7 m=10
